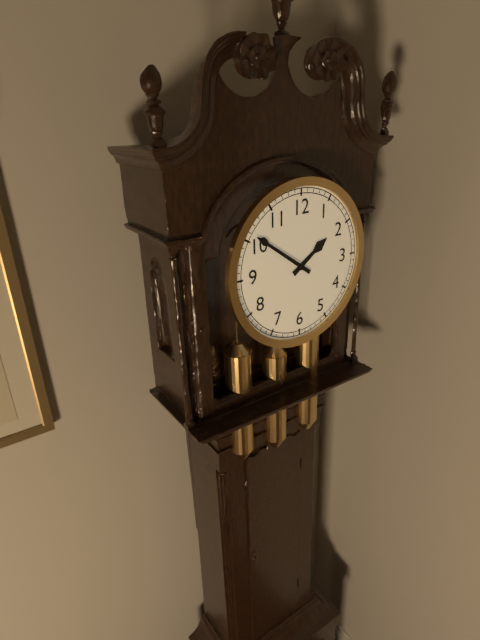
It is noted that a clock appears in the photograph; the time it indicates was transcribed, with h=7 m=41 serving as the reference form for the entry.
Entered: h=1 m=51
